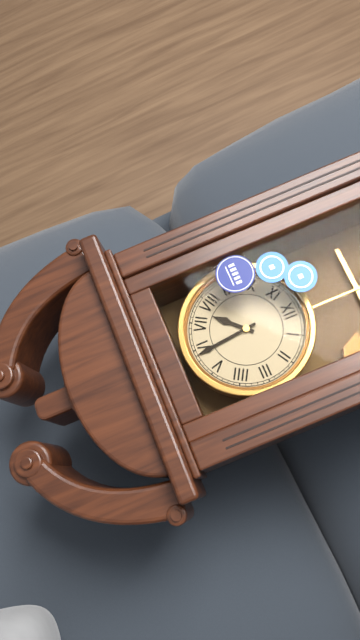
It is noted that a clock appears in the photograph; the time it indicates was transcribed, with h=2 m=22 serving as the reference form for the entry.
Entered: h=7 m=29
